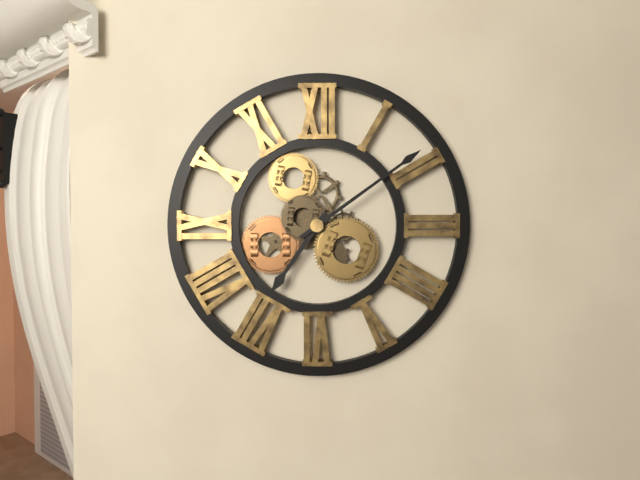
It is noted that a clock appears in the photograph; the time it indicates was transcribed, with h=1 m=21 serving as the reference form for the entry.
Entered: h=7 m=9
